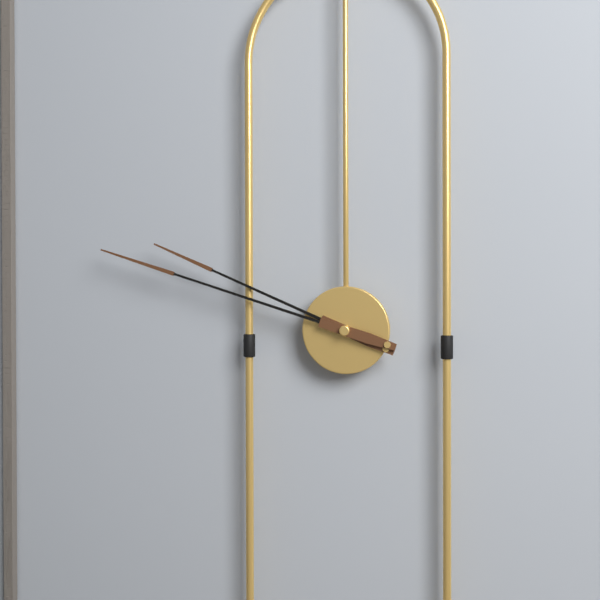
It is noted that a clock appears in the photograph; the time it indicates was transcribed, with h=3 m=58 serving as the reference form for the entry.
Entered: h=9 m=48
